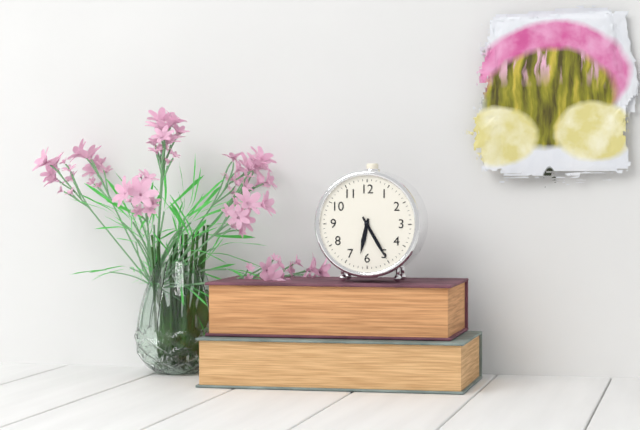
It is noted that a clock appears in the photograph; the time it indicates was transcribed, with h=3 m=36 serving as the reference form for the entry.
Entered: h=6 m=25
